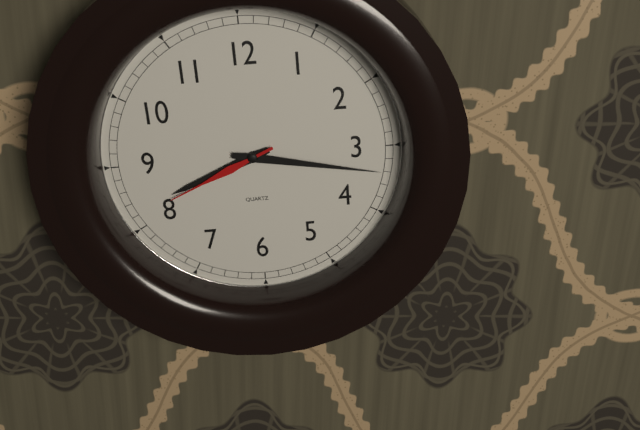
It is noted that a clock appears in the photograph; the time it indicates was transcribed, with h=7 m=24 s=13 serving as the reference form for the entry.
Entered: h=8 m=17 s=41
